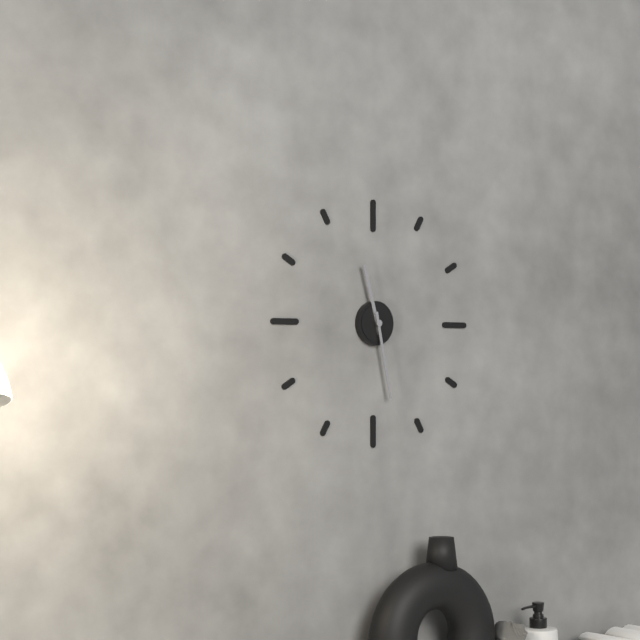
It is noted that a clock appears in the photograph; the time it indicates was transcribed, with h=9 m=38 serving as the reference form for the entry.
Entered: h=11 m=28
